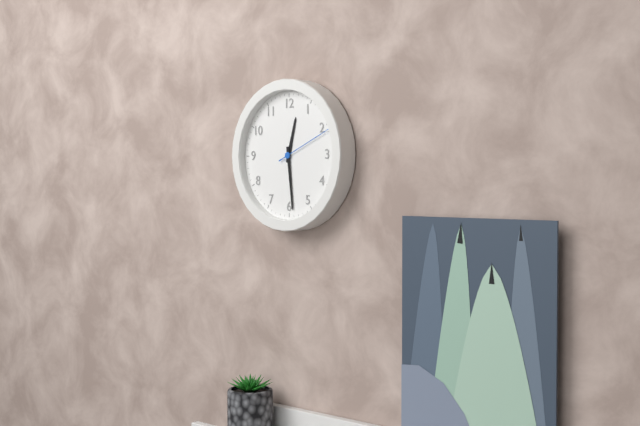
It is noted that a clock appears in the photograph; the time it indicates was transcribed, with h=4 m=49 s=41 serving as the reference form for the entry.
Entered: h=12 m=29 s=11
